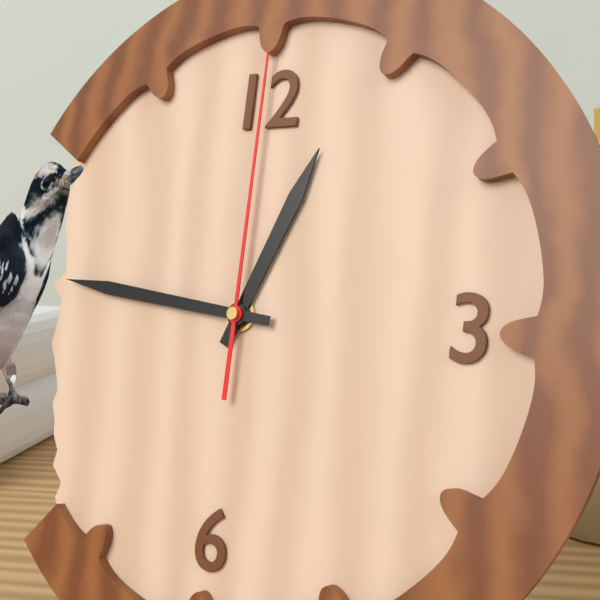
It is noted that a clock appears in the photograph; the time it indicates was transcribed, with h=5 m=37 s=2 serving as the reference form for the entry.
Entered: h=12 m=46 s=0
